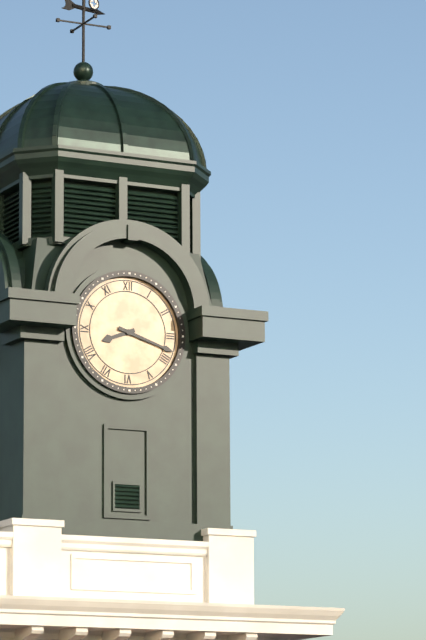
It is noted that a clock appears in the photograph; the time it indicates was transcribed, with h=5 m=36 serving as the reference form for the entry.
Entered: h=8 m=18
